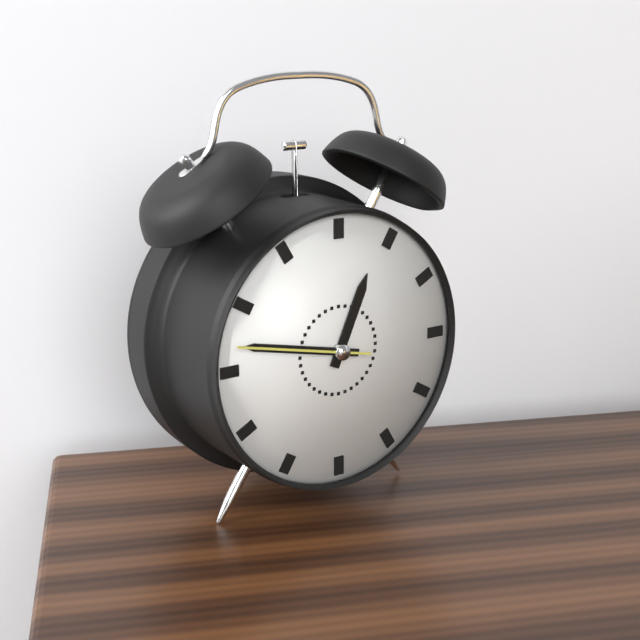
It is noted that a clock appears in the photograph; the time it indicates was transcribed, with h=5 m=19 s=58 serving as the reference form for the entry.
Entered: h=12 m=47 s=47
